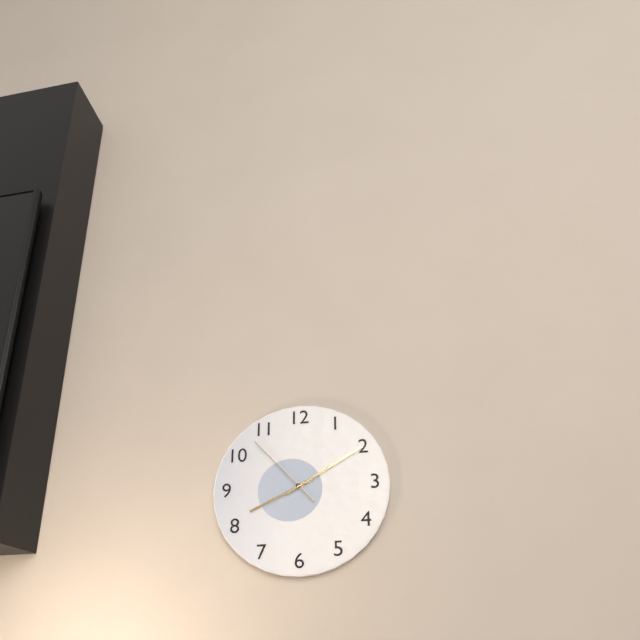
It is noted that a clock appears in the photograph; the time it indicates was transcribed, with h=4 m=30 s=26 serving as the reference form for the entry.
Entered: h=8 m=10 s=53
